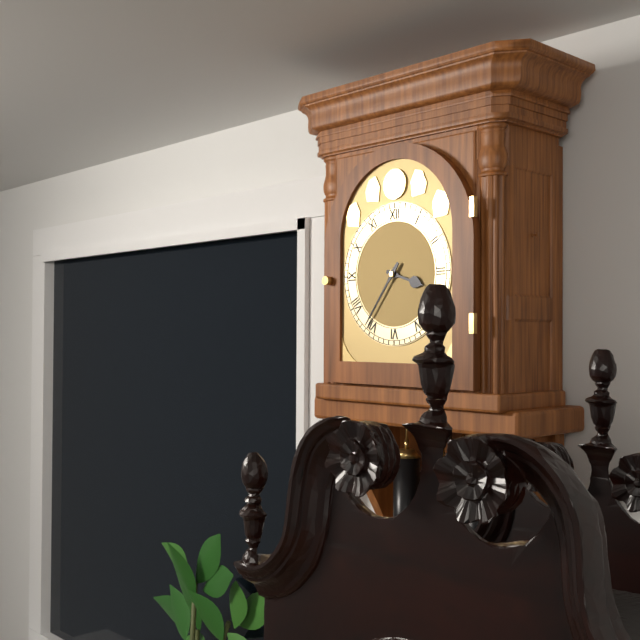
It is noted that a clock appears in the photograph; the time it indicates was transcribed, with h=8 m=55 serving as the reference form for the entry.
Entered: h=3 m=36
